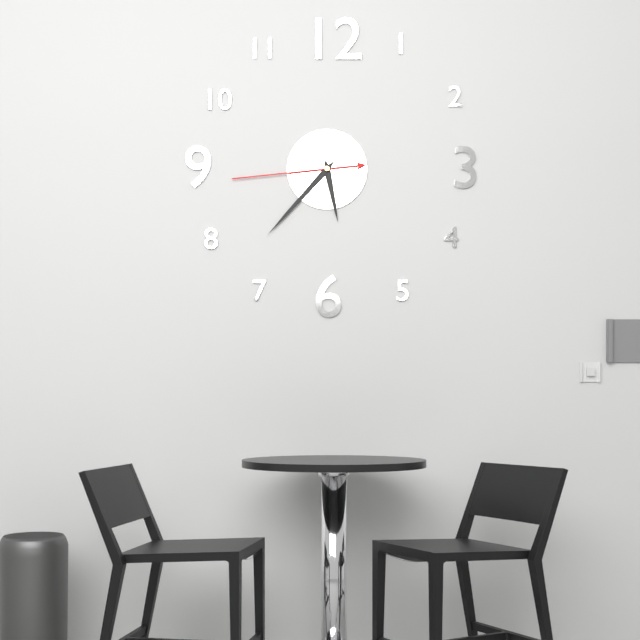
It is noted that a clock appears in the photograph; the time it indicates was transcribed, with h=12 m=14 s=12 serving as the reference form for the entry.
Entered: h=5 m=37 s=44
